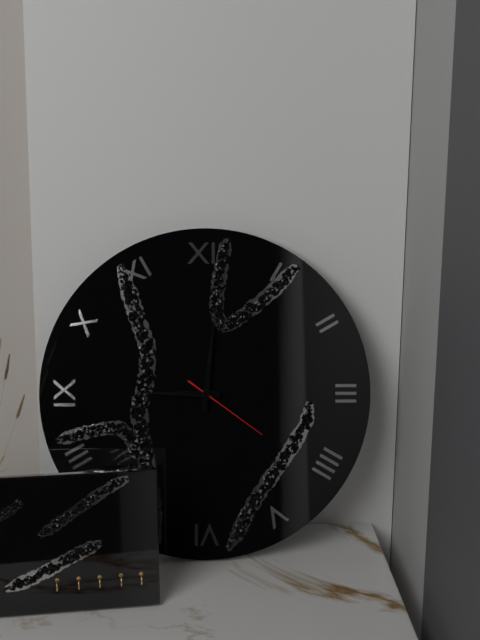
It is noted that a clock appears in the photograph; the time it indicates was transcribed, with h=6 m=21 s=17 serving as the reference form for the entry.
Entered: h=9 m=1 s=21
